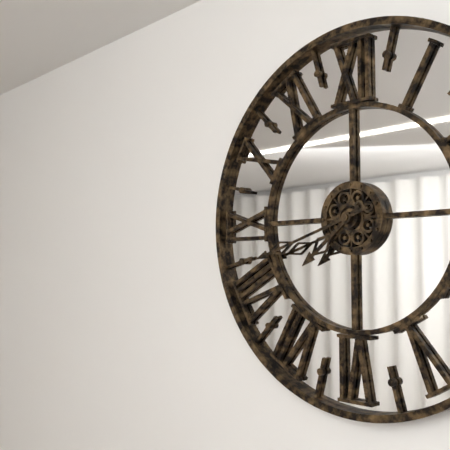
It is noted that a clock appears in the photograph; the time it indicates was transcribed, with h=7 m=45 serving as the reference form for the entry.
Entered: h=7 m=42
